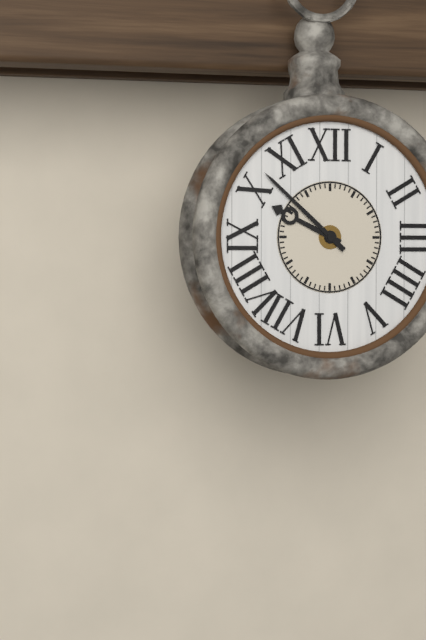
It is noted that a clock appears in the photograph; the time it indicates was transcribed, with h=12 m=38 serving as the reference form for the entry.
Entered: h=9 m=52
